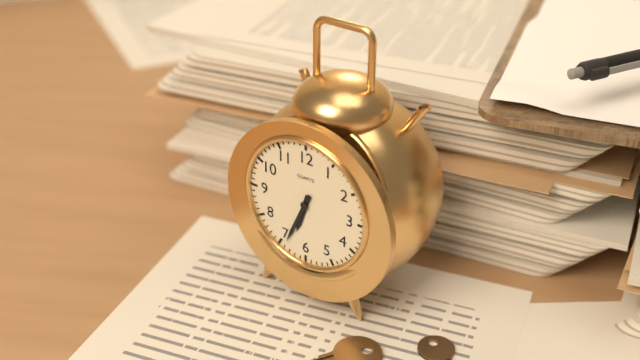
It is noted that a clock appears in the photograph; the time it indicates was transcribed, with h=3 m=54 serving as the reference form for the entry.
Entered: h=6 m=34
